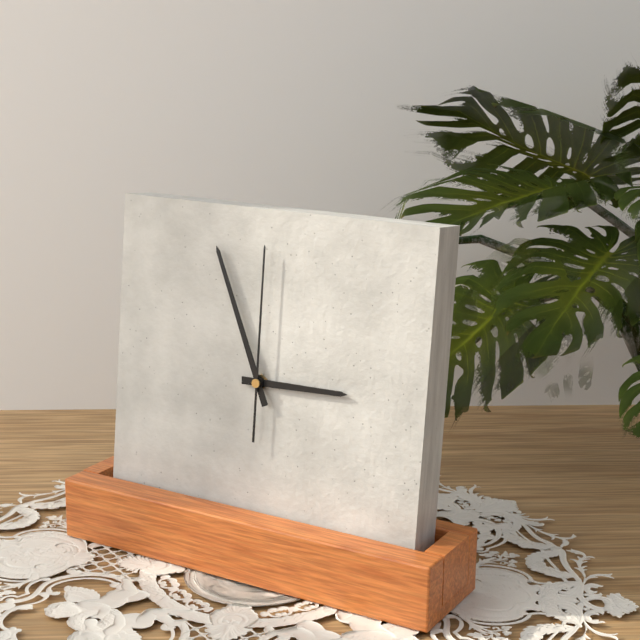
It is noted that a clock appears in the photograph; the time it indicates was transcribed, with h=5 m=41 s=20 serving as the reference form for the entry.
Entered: h=2 m=56 s=0
